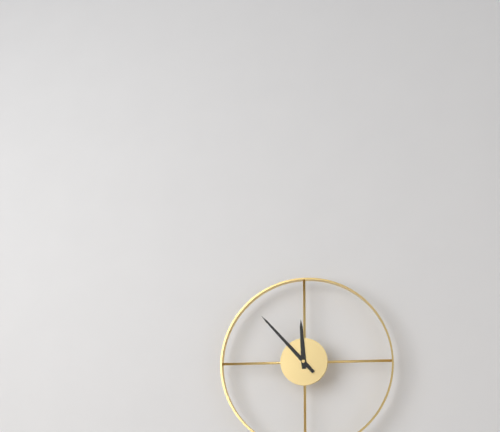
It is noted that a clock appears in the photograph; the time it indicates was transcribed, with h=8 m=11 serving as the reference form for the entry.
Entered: h=11 m=53
